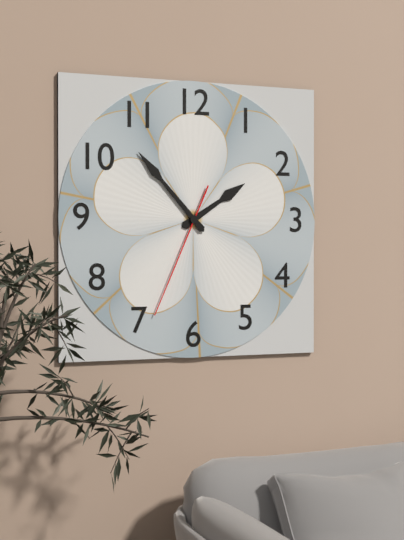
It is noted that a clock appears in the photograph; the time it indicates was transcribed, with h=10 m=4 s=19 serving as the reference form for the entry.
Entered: h=1 m=53 s=34
